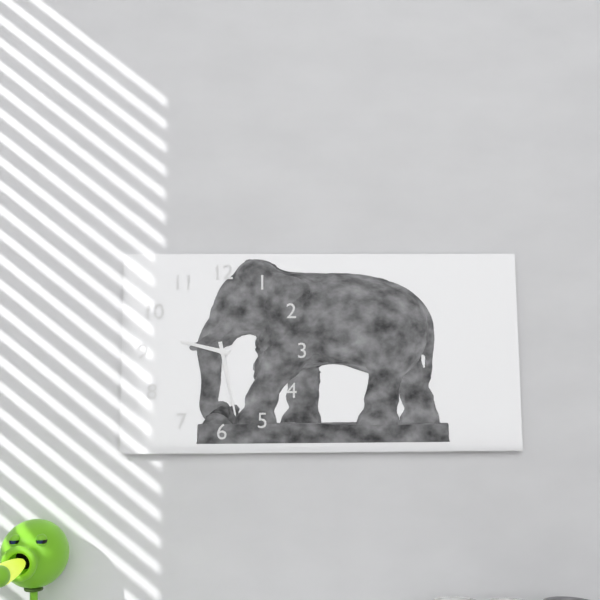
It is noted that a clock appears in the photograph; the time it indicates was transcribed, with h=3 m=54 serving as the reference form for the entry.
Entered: h=9 m=28
